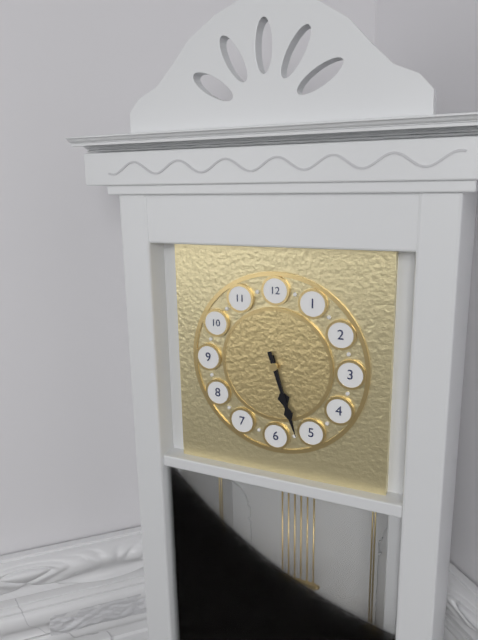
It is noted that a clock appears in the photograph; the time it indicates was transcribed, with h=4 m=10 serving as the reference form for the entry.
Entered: h=5 m=27
